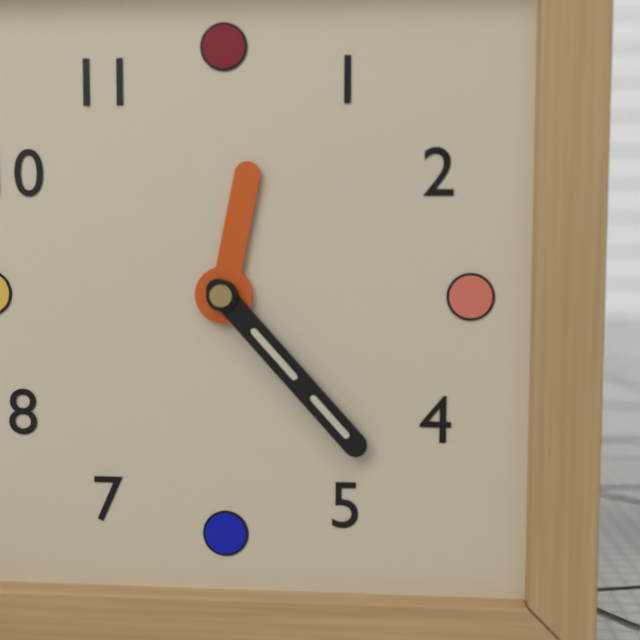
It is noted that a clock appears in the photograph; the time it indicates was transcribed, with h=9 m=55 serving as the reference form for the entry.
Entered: h=12 m=23
